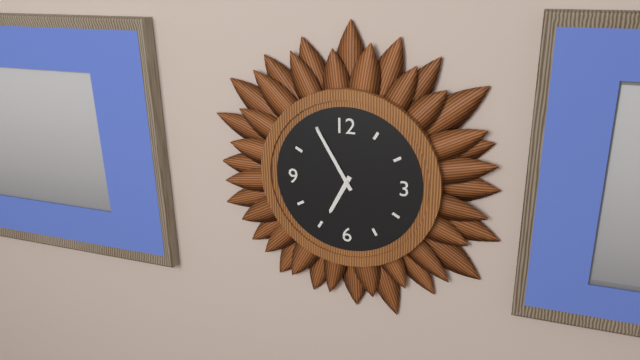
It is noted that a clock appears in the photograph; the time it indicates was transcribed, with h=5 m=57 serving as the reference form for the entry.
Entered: h=6 m=55
